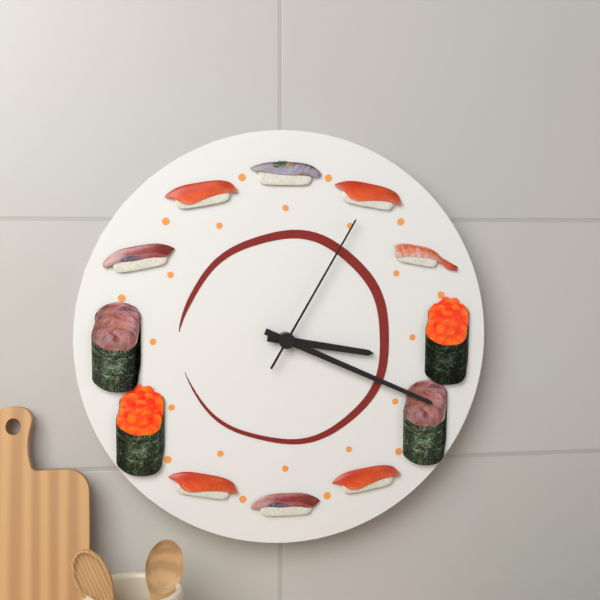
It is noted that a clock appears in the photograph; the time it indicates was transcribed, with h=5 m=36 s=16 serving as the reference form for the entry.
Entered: h=3 m=19 s=5
